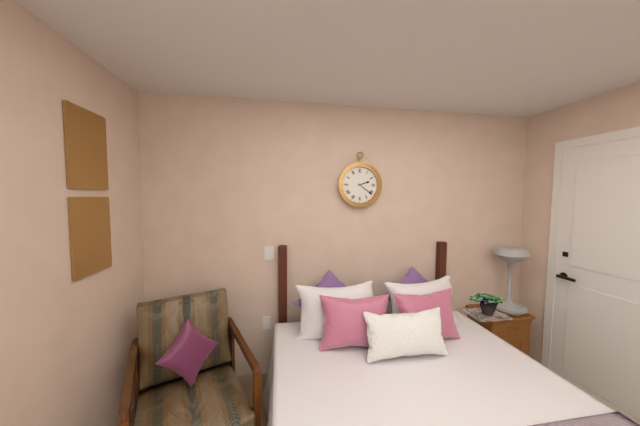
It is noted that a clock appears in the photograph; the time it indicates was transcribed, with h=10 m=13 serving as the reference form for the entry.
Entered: h=2 m=21
